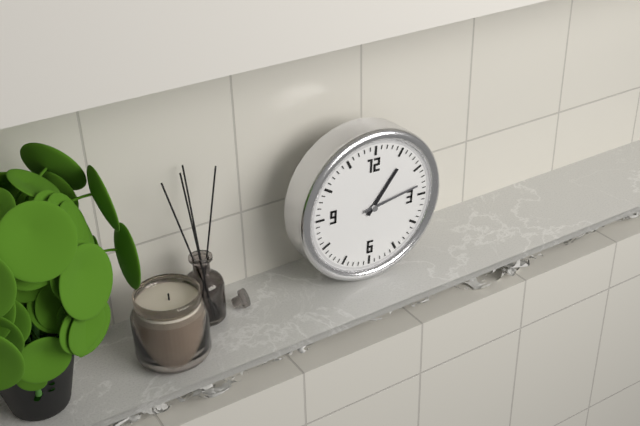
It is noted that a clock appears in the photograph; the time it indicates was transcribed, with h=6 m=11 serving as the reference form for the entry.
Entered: h=1 m=13
